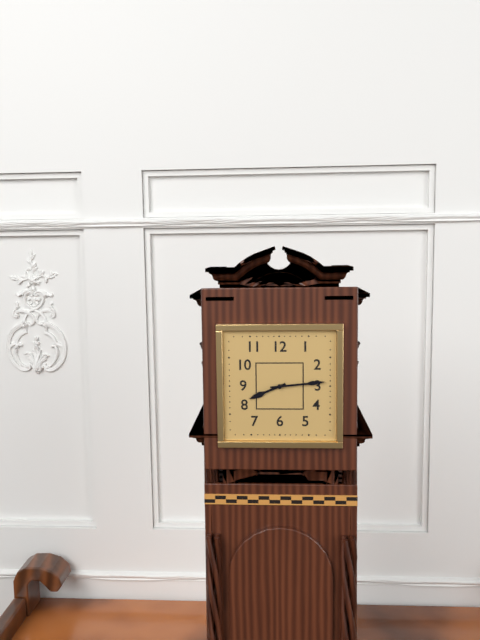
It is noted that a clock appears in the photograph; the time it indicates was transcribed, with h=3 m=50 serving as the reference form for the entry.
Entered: h=8 m=14
